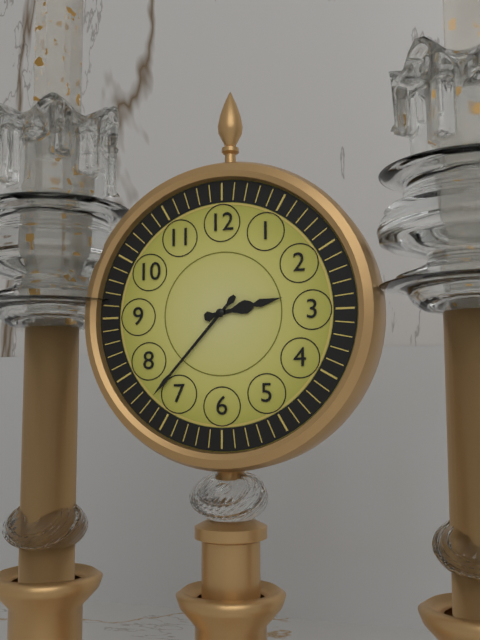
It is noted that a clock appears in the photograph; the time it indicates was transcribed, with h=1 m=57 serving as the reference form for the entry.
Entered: h=2 m=37
